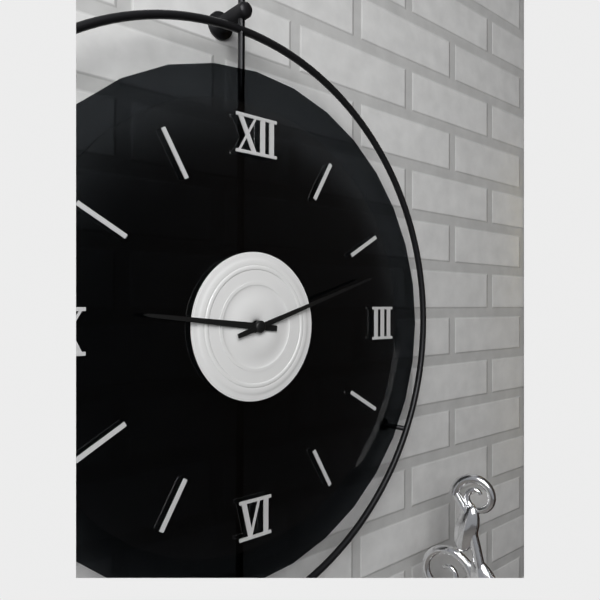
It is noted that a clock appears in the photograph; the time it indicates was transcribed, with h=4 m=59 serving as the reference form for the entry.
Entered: h=9 m=12
